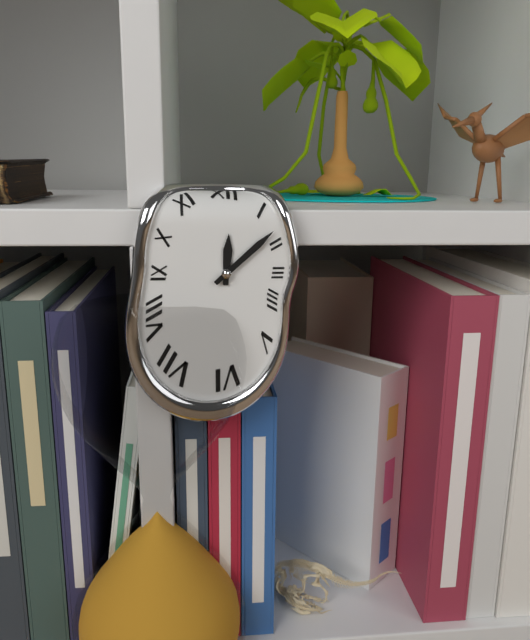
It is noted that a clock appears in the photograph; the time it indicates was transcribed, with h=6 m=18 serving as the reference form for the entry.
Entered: h=12 m=8
